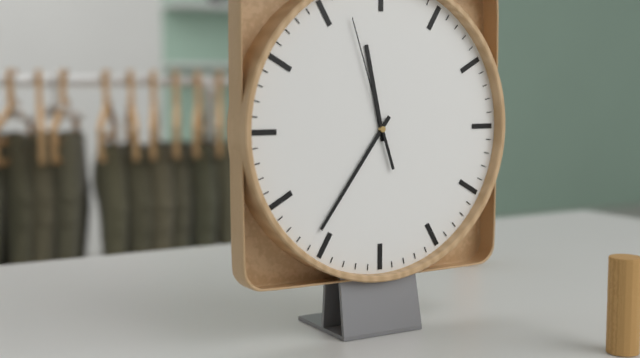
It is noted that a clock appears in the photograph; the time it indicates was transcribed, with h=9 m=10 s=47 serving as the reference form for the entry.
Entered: h=11 m=36 s=57
